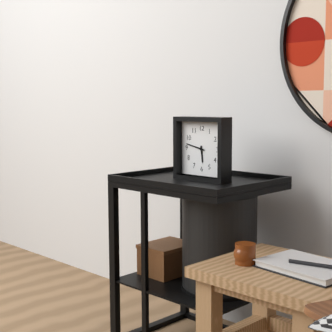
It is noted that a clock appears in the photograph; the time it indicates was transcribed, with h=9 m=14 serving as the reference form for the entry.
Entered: h=5 m=47
